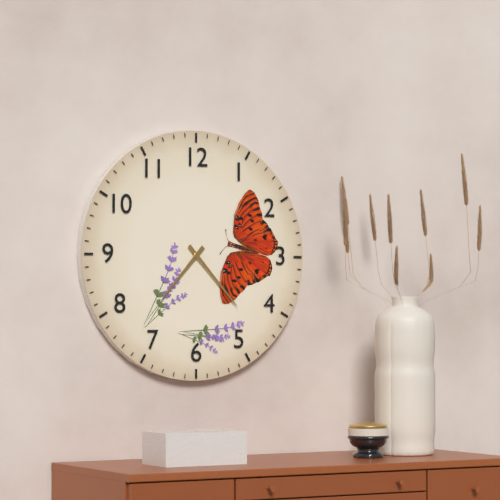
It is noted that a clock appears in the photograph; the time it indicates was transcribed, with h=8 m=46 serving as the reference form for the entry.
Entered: h=7 m=23
